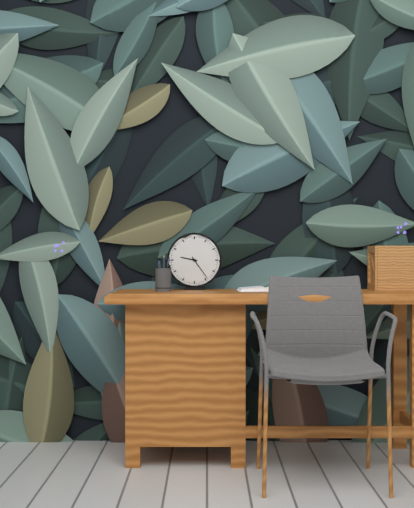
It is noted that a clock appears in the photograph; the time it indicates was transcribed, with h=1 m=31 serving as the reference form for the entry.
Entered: h=9 m=24
